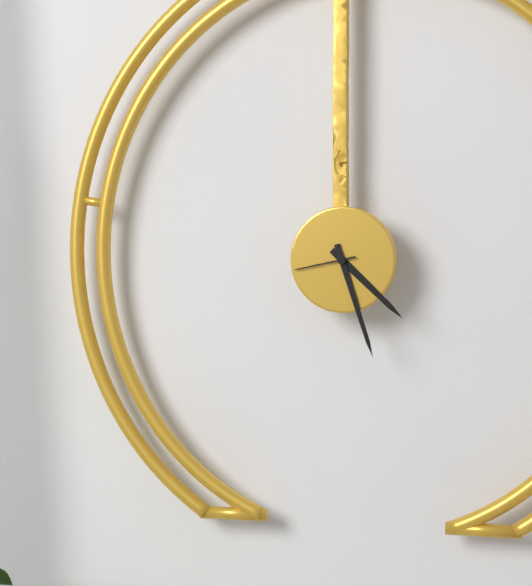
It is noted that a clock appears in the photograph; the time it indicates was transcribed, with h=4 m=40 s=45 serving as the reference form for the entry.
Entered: h=4 m=27 s=43
